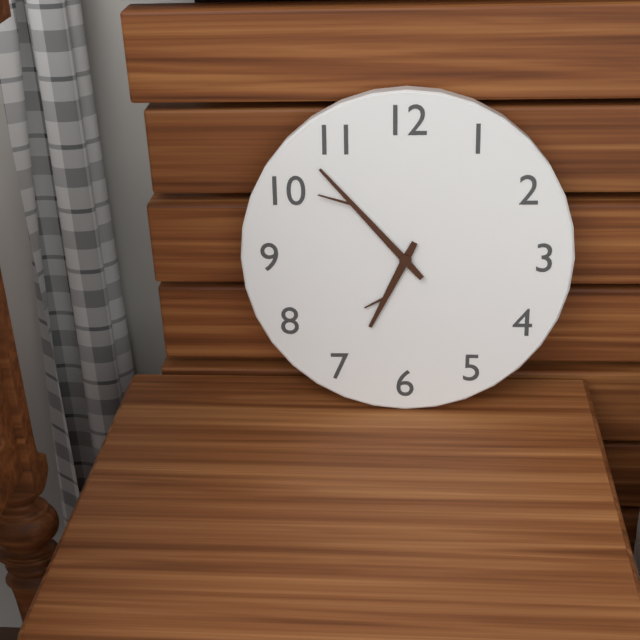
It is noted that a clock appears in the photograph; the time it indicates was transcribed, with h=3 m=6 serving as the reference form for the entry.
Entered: h=6 m=53
